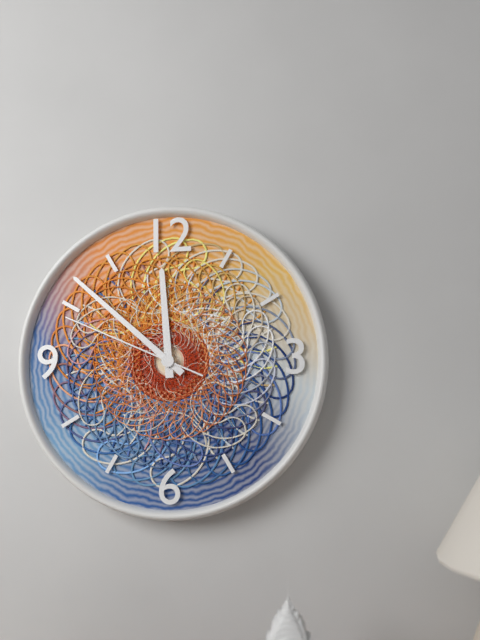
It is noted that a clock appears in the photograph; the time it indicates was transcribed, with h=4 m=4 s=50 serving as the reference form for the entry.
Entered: h=11 m=52 s=49
